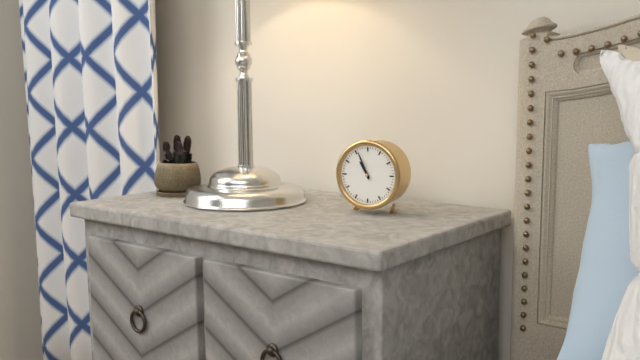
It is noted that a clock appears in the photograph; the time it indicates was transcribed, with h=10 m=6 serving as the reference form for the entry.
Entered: h=10 m=56
